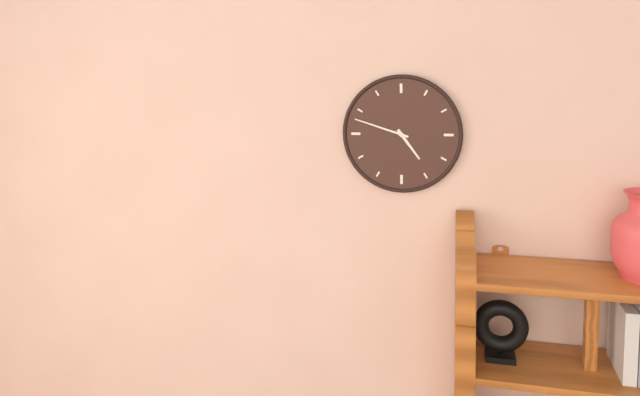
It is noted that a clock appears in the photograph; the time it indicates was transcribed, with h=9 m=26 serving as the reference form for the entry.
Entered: h=4 m=48
